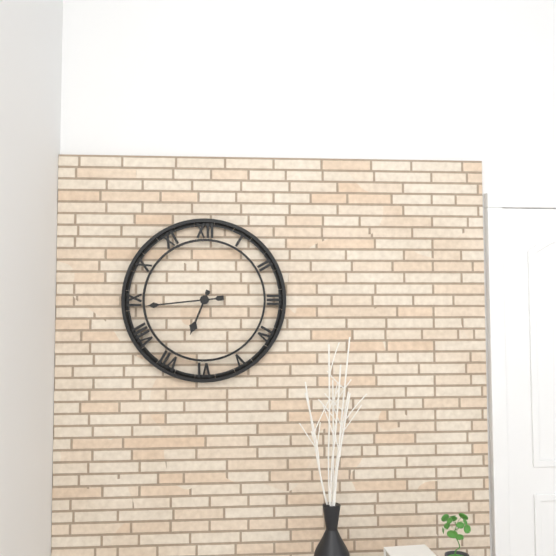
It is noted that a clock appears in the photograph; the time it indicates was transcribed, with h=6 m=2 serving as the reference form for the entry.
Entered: h=6 m=44
